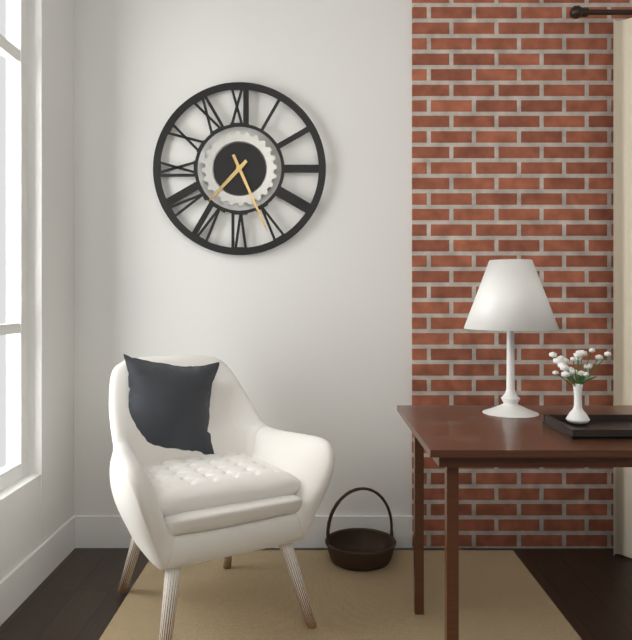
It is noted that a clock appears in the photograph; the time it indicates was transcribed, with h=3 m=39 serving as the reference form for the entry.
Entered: h=7 m=26
